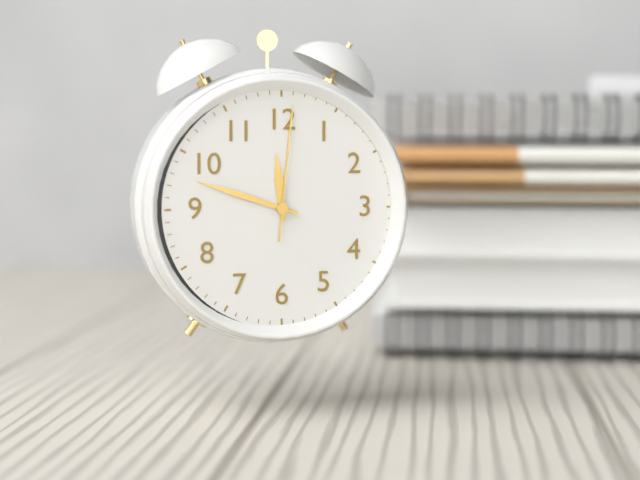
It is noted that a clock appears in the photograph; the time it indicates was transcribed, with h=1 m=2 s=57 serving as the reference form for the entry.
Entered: h=11 m=48 s=1
